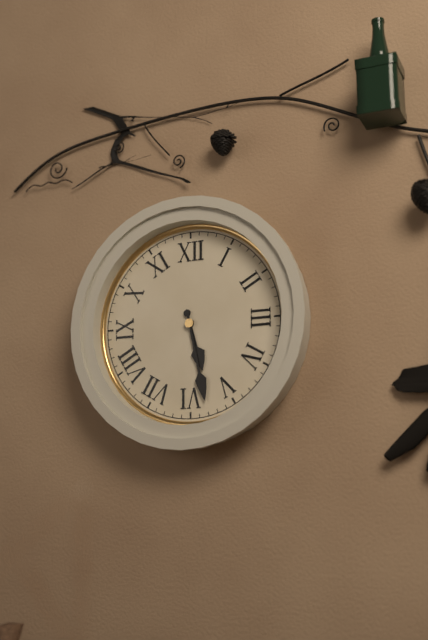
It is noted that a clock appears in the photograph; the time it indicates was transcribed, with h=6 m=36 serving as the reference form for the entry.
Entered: h=5 m=28
